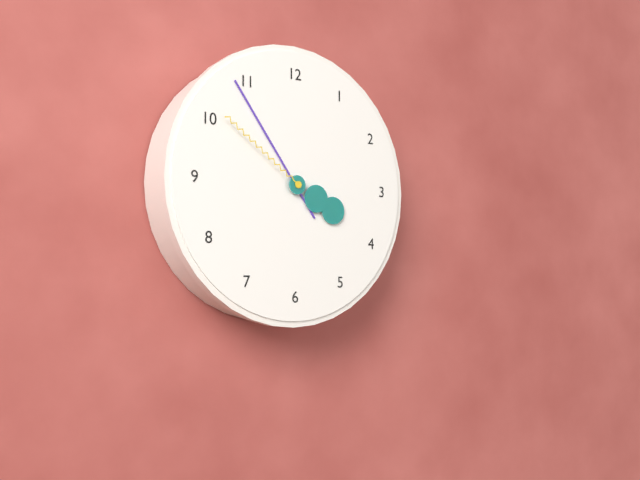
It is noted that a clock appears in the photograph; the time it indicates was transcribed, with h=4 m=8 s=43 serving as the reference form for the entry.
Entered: h=3 m=54 s=51
